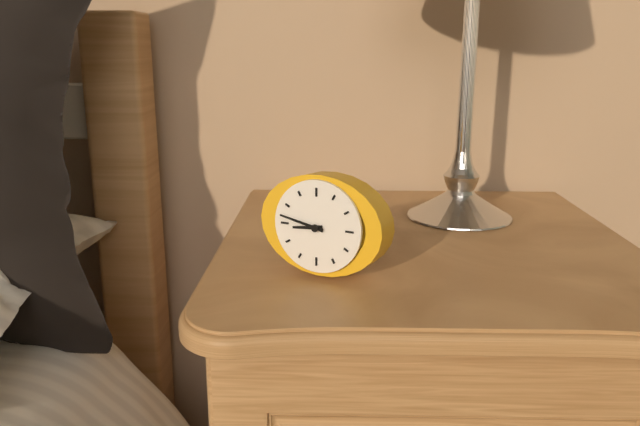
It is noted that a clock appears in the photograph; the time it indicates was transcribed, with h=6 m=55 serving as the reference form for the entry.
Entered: h=8 m=47
